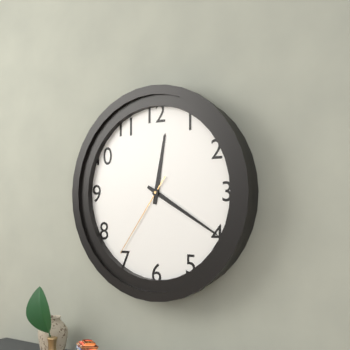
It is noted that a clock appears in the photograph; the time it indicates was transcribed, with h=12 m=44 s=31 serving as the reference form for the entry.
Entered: h=12 m=20 s=36
